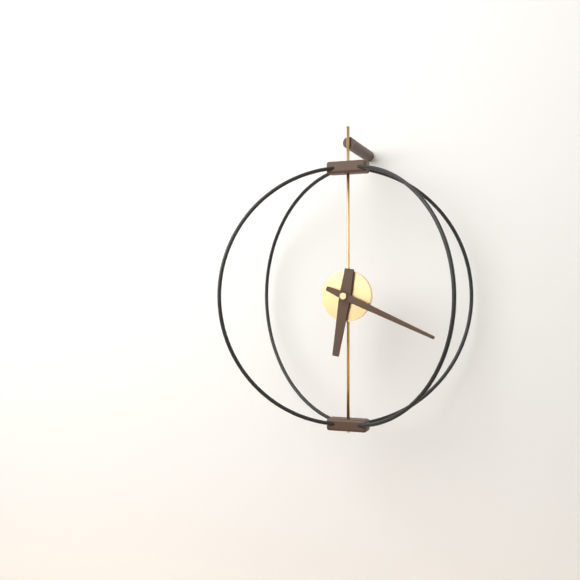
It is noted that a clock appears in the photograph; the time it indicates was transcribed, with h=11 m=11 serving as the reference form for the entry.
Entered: h=6 m=19
